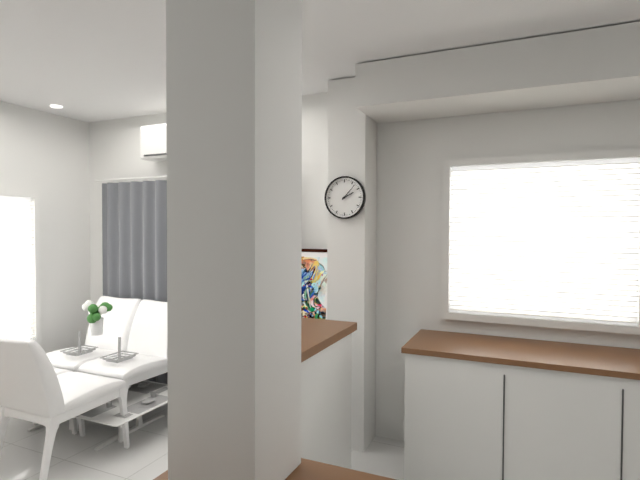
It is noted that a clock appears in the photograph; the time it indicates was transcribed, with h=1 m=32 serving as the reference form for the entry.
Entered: h=2 m=7
